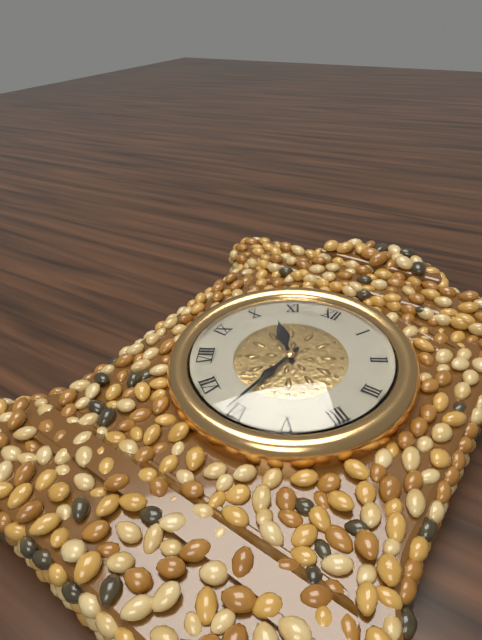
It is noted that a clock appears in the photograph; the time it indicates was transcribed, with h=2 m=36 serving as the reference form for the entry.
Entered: h=10 m=31
